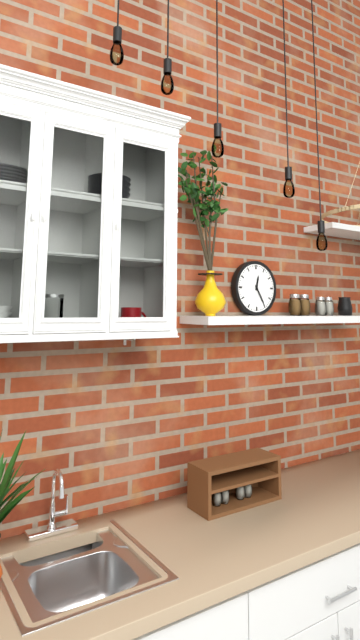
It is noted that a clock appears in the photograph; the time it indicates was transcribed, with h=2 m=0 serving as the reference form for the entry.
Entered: h=12 m=25
